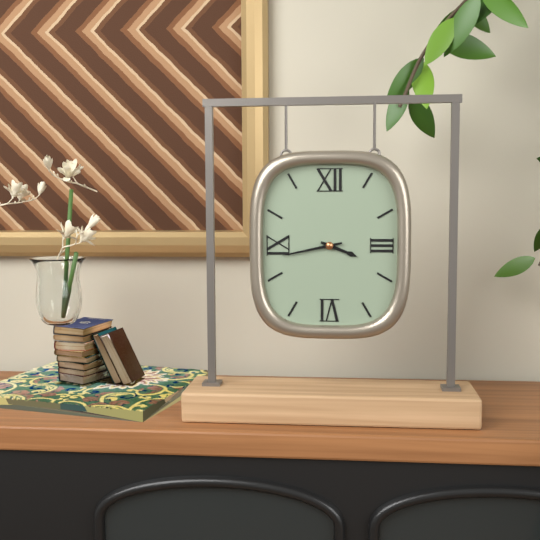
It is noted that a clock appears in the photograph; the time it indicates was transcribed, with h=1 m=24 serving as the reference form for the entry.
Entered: h=3 m=43
